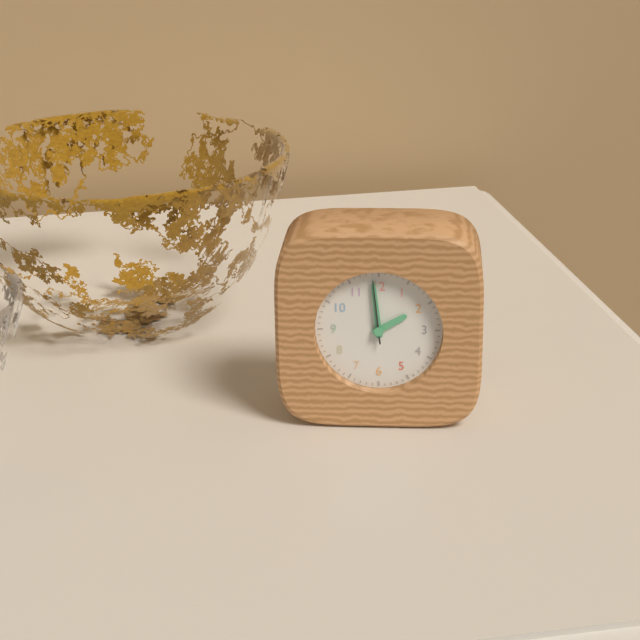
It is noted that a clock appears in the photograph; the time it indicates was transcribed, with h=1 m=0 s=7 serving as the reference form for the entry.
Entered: h=1 m=59 s=59
